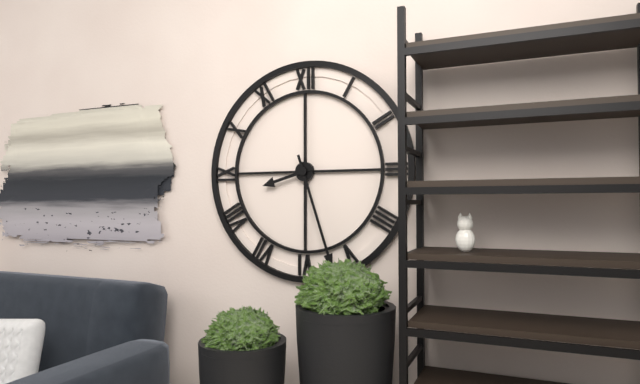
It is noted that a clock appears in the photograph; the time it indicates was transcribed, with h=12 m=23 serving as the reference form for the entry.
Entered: h=8 m=27
